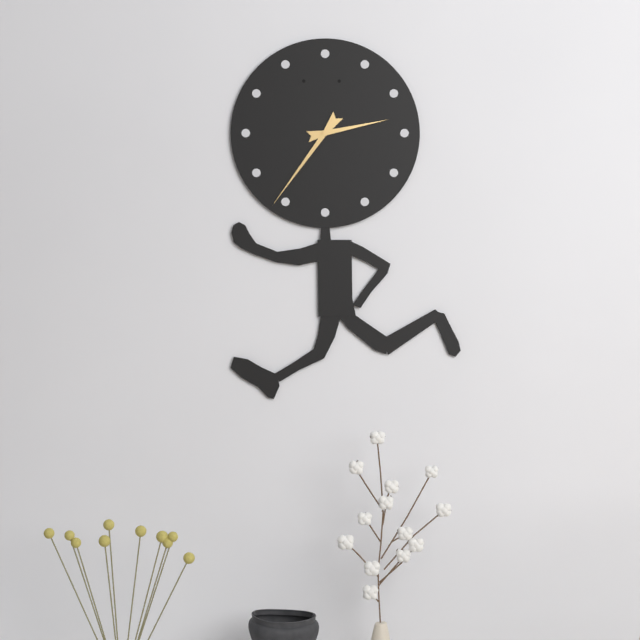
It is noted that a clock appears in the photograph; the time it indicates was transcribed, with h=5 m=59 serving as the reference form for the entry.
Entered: h=2 m=36
